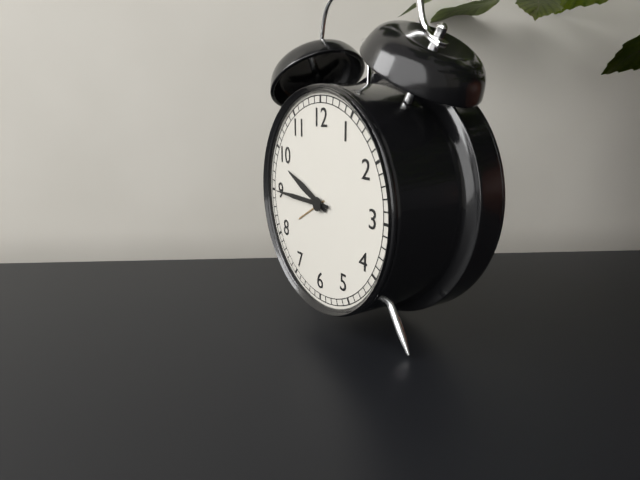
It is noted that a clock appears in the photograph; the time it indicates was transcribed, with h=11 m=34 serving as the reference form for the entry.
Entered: h=9 m=45
